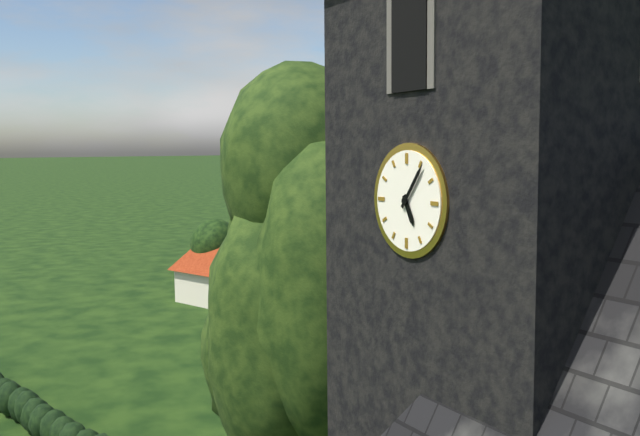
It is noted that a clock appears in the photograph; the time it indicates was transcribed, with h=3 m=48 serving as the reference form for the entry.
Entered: h=5 m=6
